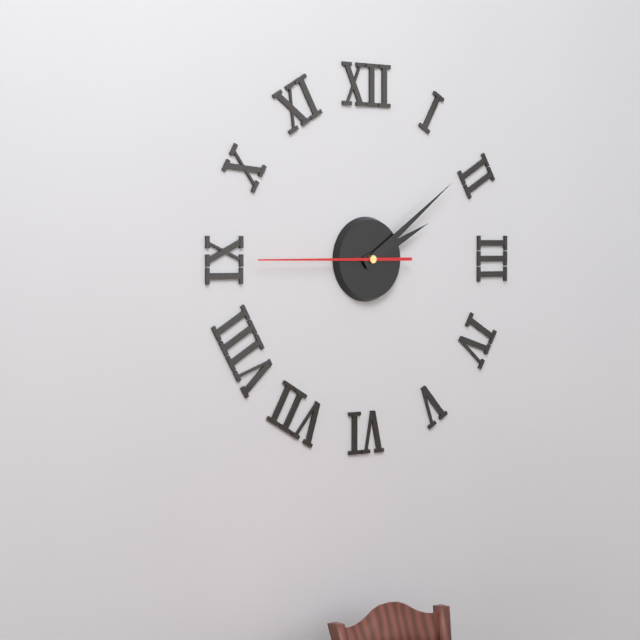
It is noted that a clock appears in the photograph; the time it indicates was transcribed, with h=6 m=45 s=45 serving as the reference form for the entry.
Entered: h=2 m=9 s=45
